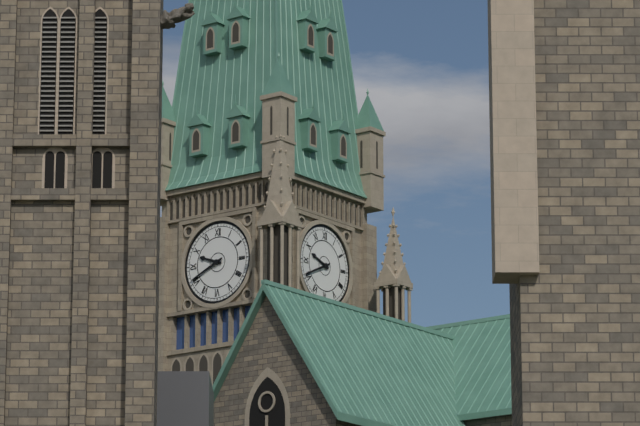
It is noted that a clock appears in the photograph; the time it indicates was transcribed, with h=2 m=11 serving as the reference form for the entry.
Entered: h=9 m=41
